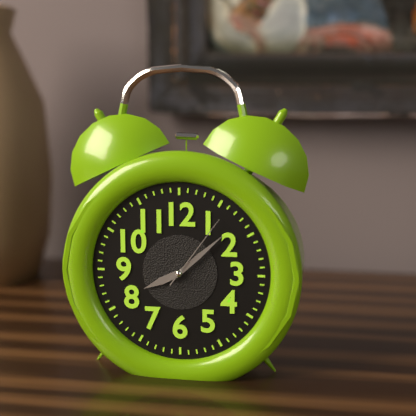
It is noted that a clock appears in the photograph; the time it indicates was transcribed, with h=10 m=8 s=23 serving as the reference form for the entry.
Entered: h=8 m=8 s=6
